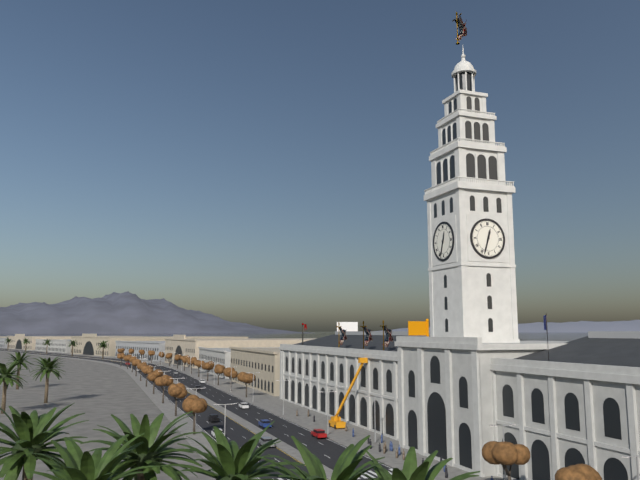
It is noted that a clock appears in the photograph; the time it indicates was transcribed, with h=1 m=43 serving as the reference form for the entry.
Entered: h=12 m=33
